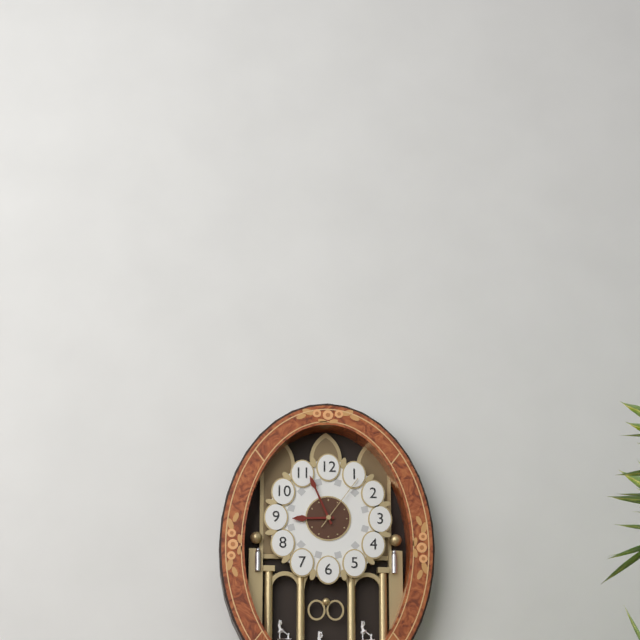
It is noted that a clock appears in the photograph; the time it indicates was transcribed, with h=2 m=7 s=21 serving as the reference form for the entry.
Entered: h=8 m=56 s=6
